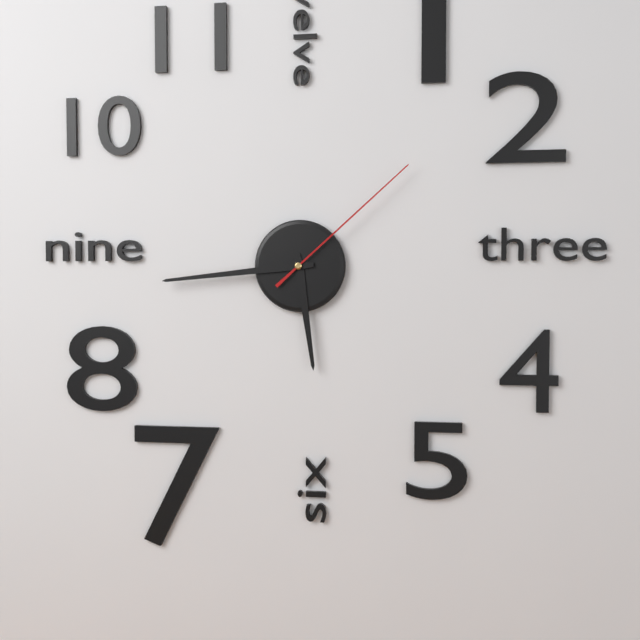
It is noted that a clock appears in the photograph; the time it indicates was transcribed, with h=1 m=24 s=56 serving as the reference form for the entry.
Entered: h=5 m=44 s=8
